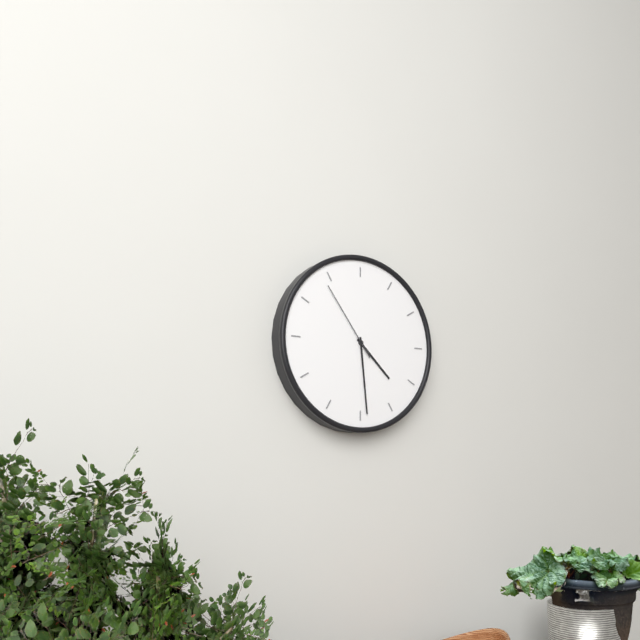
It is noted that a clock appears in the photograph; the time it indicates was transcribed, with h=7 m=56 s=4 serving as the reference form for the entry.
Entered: h=4 m=29 s=54
